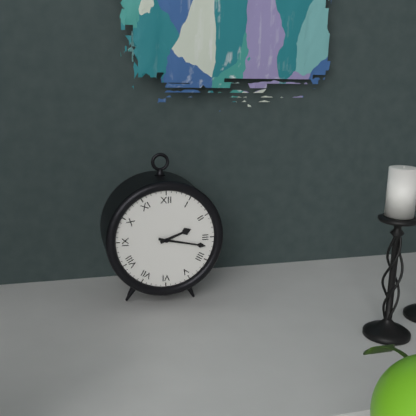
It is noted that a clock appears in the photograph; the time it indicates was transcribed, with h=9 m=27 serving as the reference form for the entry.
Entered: h=2 m=17
